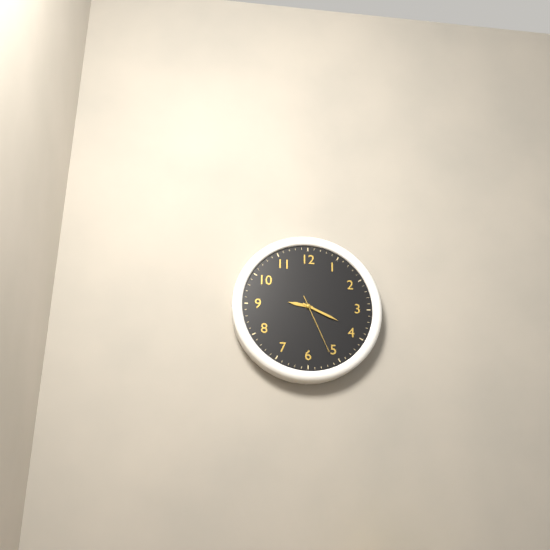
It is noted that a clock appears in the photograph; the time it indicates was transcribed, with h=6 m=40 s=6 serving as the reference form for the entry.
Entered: h=9 m=19 s=26
